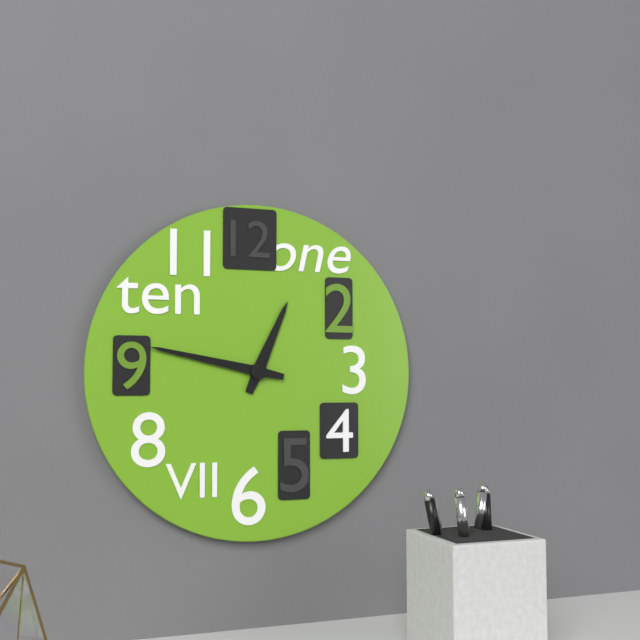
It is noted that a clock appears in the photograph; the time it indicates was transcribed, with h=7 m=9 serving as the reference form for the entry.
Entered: h=12 m=47
